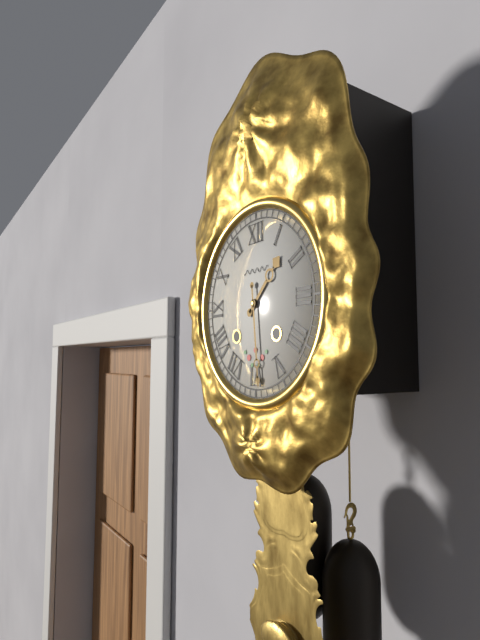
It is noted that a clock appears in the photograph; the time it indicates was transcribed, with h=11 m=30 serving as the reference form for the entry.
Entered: h=1 m=29
